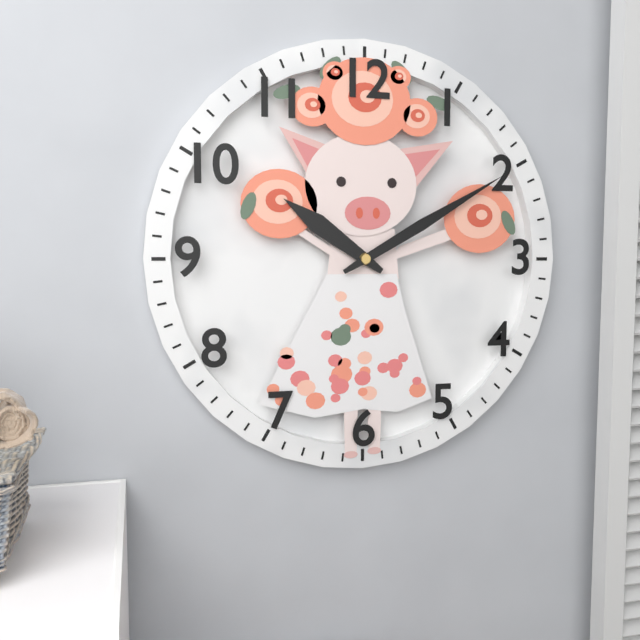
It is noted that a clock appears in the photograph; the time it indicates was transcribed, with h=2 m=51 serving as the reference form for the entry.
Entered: h=10 m=10
